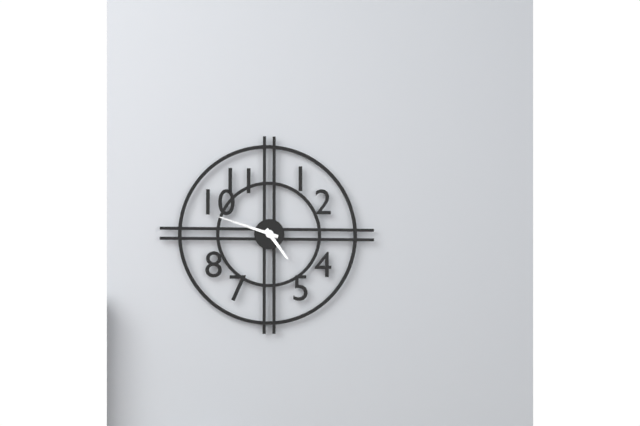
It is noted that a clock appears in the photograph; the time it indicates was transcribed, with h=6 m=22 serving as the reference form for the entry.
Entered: h=4 m=48
